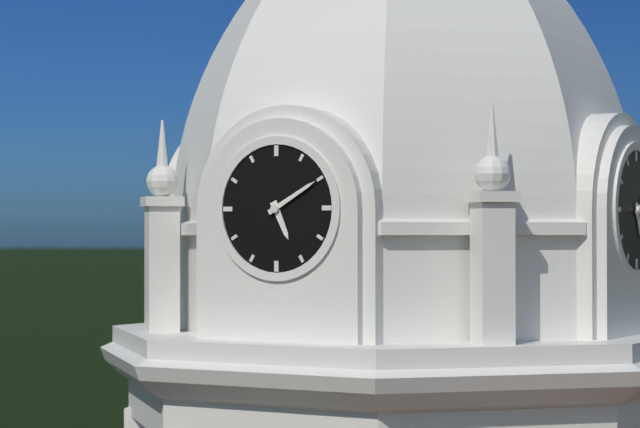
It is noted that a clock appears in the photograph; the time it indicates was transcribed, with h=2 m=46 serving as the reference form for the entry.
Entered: h=5 m=10
